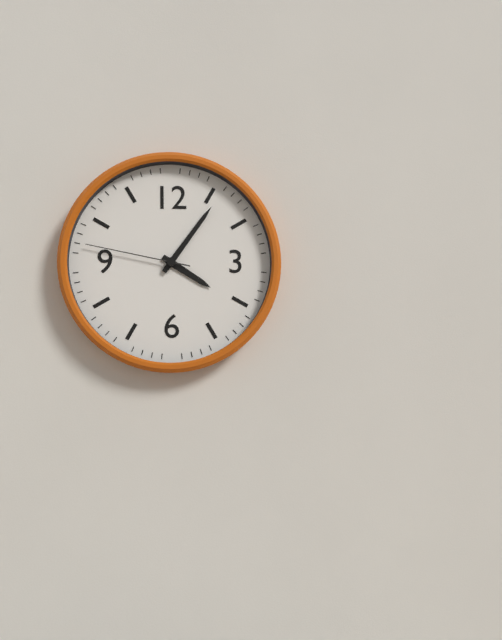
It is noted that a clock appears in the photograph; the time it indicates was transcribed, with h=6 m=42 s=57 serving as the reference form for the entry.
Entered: h=4 m=6 s=47
